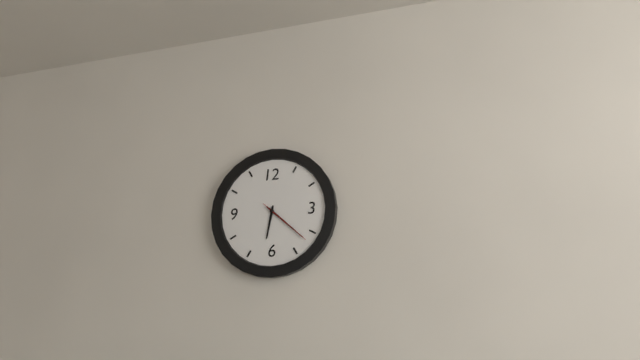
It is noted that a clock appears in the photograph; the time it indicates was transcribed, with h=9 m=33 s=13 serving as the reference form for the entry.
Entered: h=6 m=22 s=22
